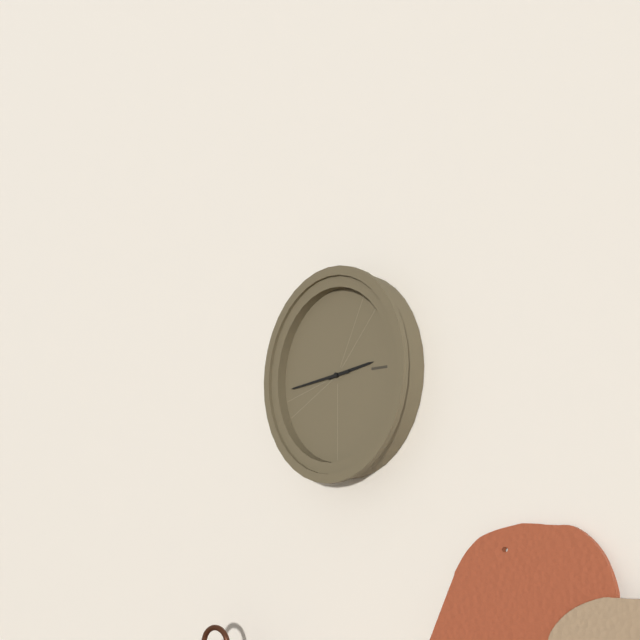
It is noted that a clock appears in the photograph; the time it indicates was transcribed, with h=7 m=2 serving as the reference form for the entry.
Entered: h=2 m=44
